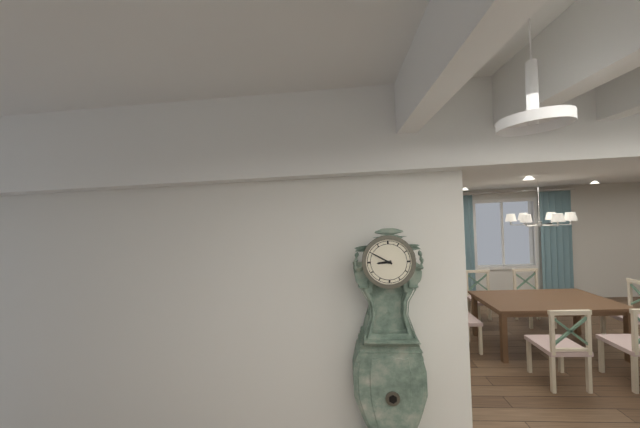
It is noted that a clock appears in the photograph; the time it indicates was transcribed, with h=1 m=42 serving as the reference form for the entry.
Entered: h=8 m=50
